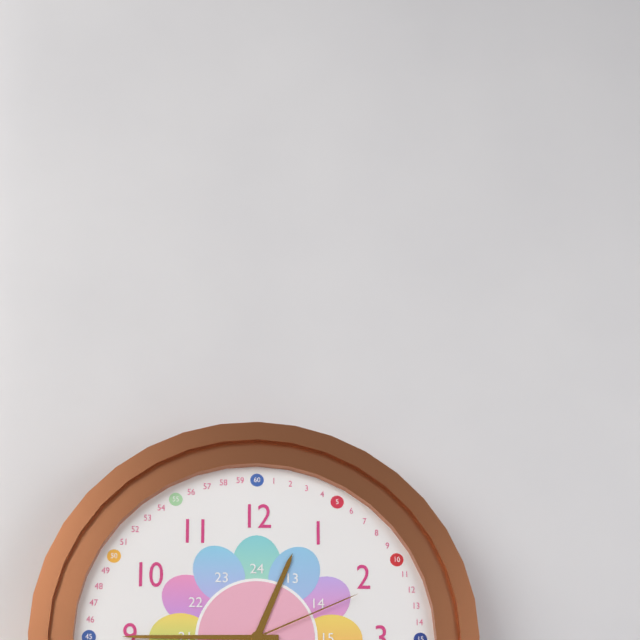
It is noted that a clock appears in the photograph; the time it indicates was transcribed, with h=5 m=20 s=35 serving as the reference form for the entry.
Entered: h=12 m=45 s=11
